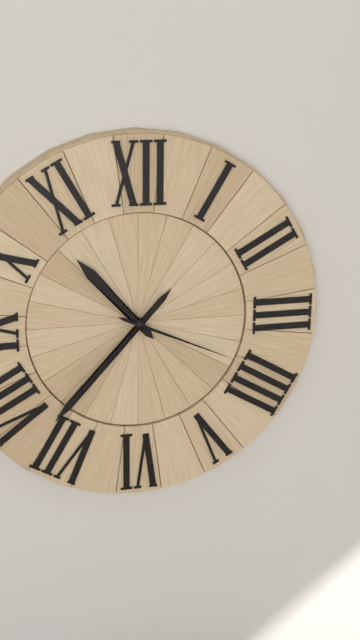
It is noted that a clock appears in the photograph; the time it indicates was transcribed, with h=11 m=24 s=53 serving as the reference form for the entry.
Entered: h=10 m=37 s=19
